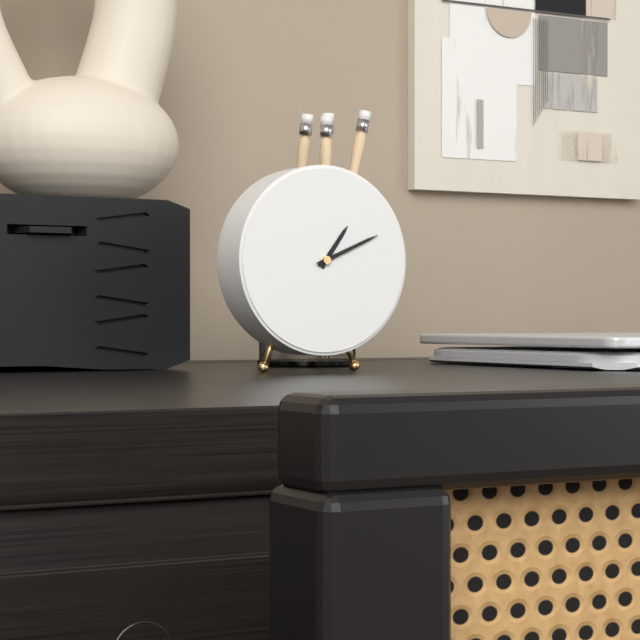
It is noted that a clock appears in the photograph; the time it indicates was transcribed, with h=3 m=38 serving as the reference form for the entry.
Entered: h=1 m=11
